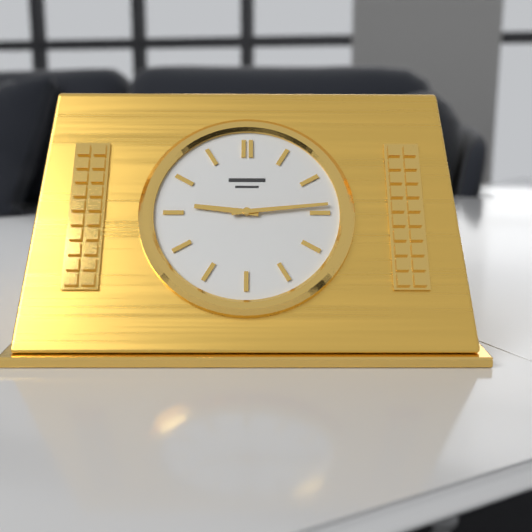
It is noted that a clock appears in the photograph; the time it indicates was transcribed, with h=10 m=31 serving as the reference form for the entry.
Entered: h=9 m=14
